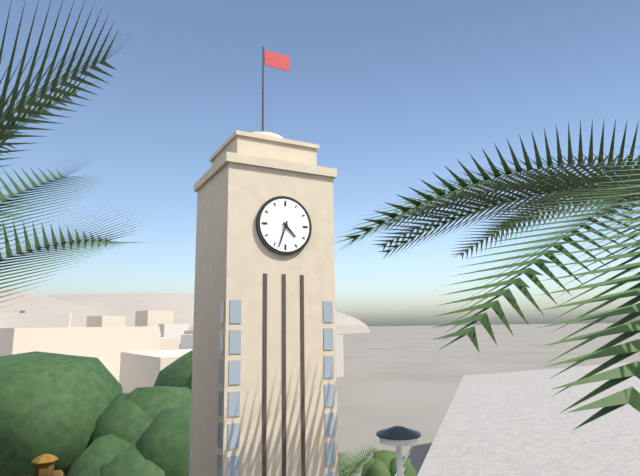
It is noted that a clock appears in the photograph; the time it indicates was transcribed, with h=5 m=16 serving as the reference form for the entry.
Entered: h=4 m=33
